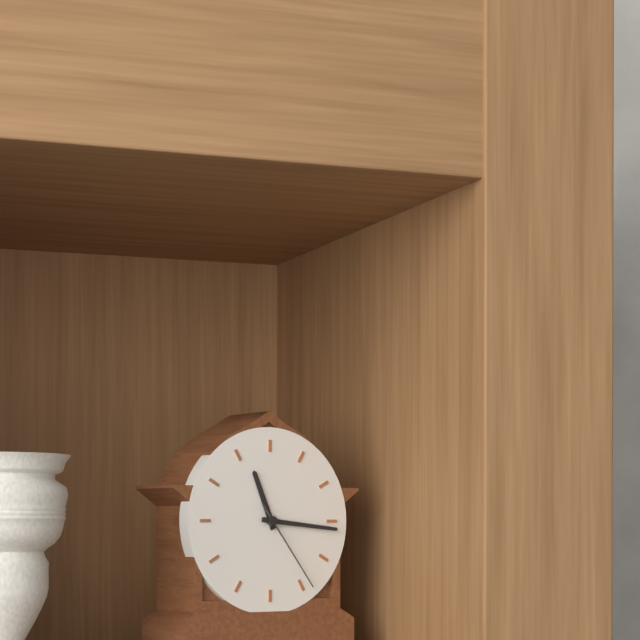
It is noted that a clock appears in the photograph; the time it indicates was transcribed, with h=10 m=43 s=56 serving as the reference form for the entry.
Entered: h=11 m=16 s=24
